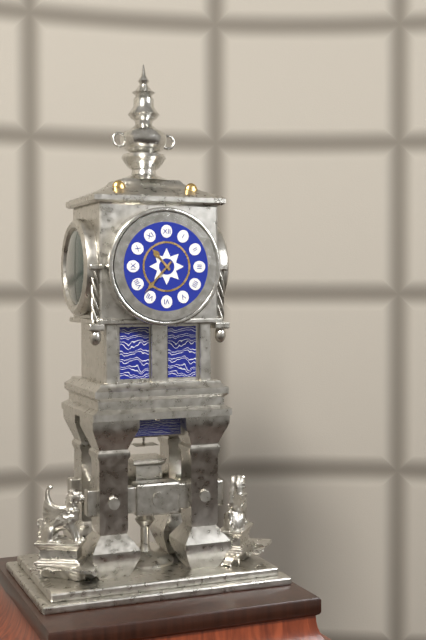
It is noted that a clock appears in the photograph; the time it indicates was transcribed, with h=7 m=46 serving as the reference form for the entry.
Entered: h=10 m=37
